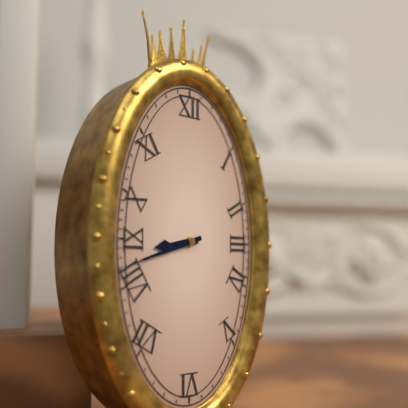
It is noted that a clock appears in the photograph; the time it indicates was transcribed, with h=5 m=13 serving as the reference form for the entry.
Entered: h=8 m=42
